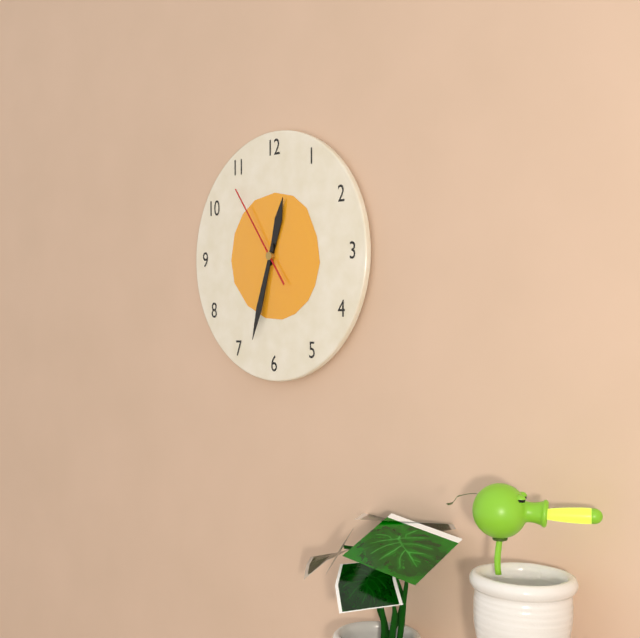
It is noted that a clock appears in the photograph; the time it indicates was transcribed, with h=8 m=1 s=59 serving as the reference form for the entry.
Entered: h=12 m=33 s=54
